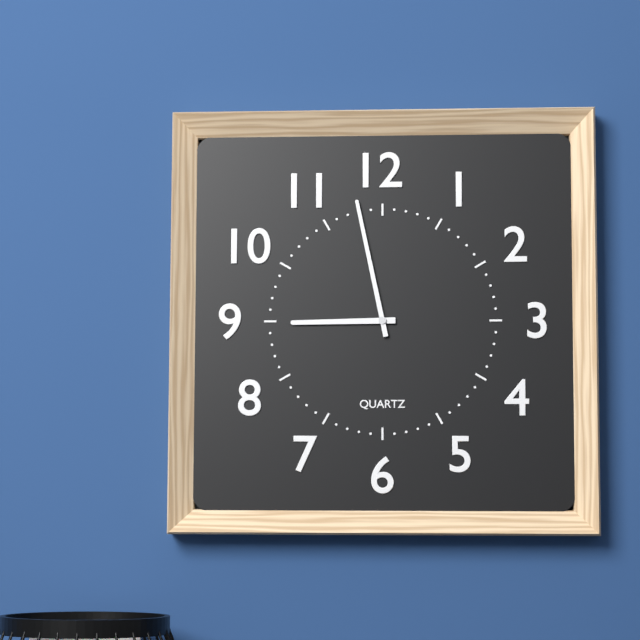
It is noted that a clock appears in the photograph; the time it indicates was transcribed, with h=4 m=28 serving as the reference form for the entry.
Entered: h=8 m=58
